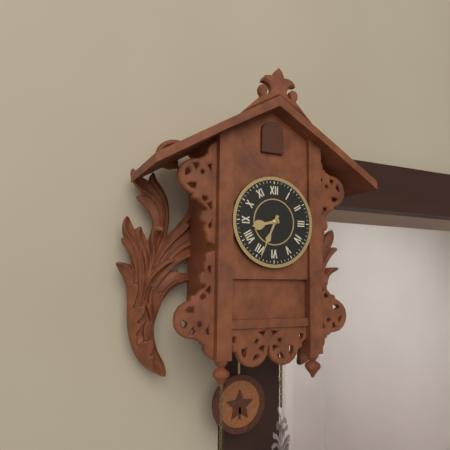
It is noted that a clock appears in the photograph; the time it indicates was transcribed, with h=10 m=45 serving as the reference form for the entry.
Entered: h=8 m=34
